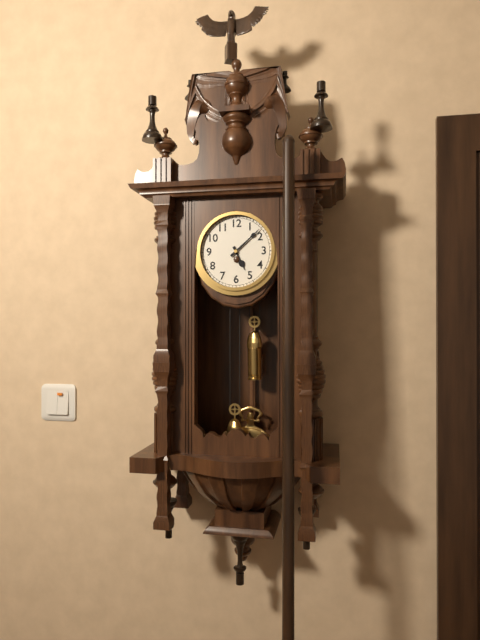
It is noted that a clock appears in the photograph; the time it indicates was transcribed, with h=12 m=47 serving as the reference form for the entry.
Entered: h=5 m=8
